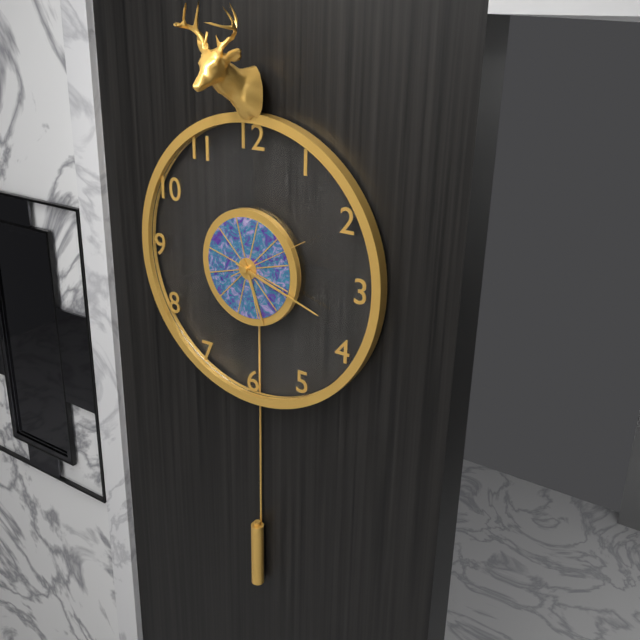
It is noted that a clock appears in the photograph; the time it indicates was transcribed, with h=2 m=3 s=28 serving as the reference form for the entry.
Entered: h=5 m=18 s=10
